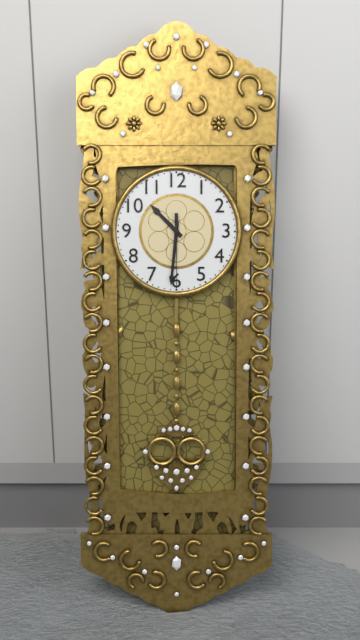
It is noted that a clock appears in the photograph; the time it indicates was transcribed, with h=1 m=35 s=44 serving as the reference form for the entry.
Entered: h=10 m=31 s=30
